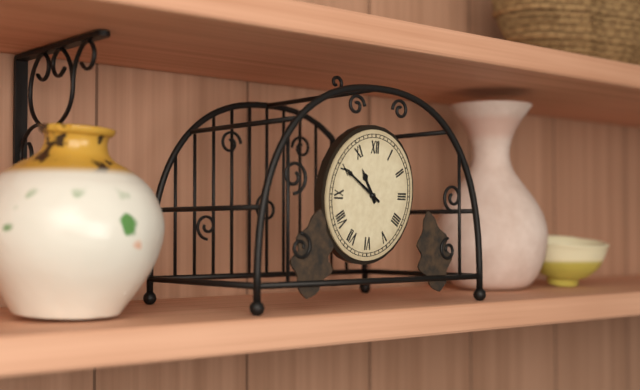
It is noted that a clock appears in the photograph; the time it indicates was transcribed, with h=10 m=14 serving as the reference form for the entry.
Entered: h=10 m=50
